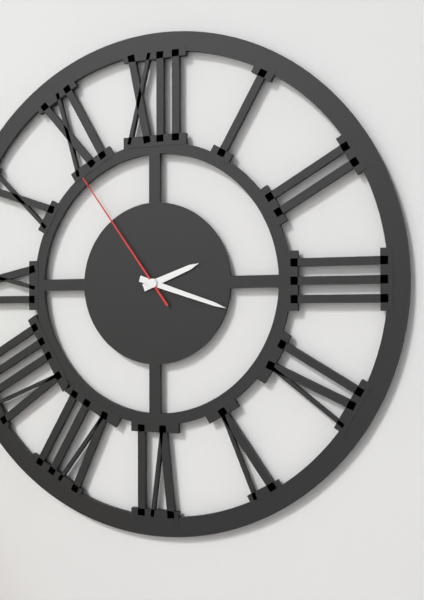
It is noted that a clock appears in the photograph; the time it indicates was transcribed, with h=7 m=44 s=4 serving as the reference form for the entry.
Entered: h=2 m=18 s=54
